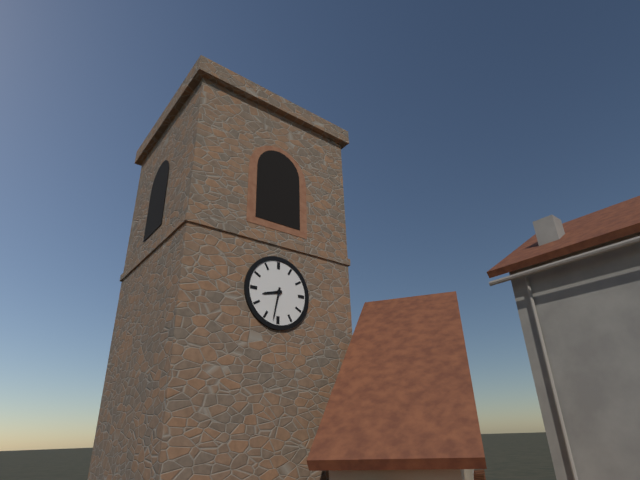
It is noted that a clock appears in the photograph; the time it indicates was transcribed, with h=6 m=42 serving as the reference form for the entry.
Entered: h=8 m=32
